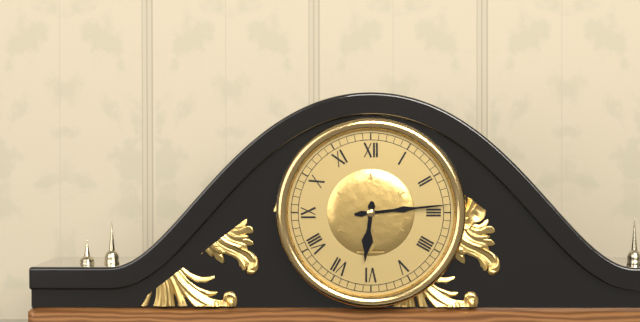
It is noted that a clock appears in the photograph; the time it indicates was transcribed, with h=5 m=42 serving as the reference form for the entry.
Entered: h=6 m=14
